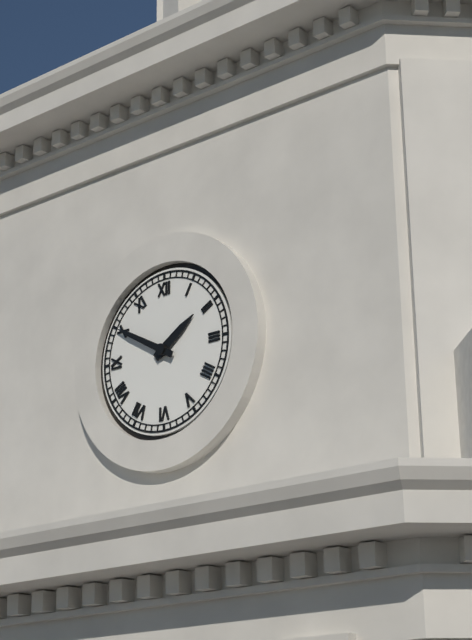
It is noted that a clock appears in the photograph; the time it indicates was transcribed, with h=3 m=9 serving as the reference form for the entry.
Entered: h=1 m=50
